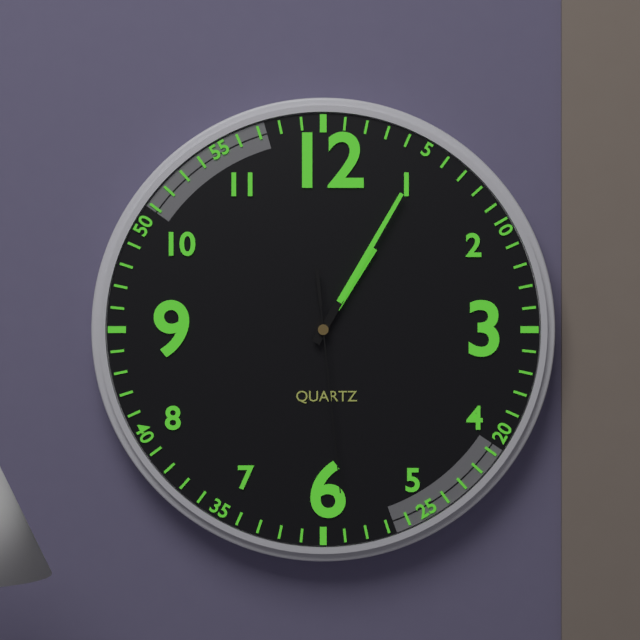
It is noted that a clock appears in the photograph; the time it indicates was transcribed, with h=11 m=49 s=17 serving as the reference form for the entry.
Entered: h=1 m=5 s=29
